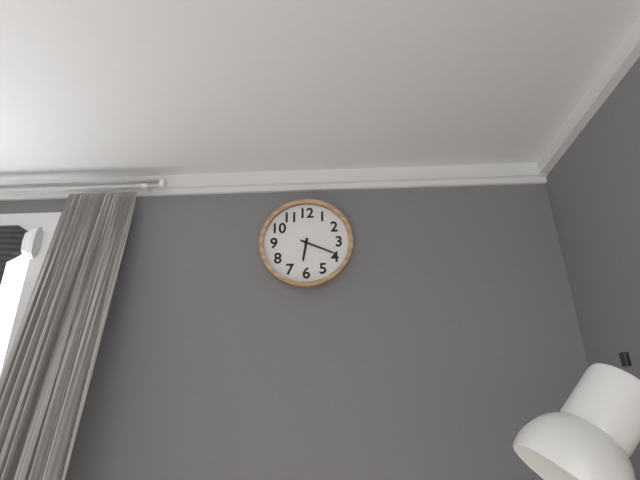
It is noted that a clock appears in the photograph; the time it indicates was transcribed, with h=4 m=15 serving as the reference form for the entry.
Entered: h=6 m=19
